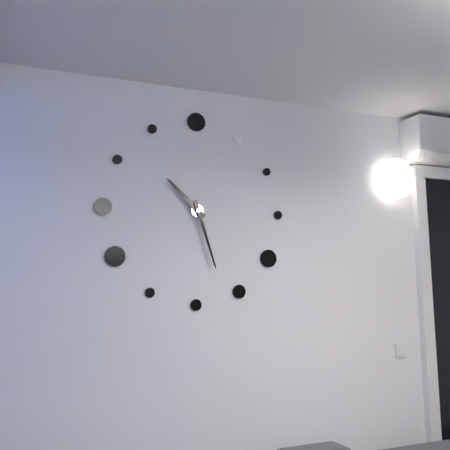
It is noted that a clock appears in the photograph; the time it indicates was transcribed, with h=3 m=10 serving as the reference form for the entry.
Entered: h=10 m=27
